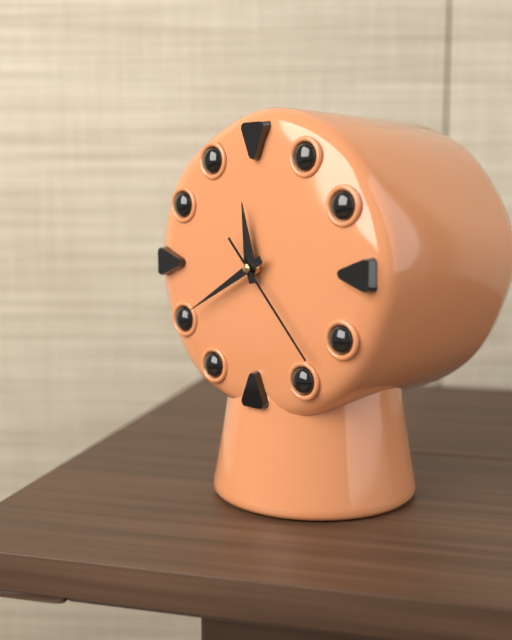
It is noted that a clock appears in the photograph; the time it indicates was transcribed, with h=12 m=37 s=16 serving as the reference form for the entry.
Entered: h=11 m=40 s=23
